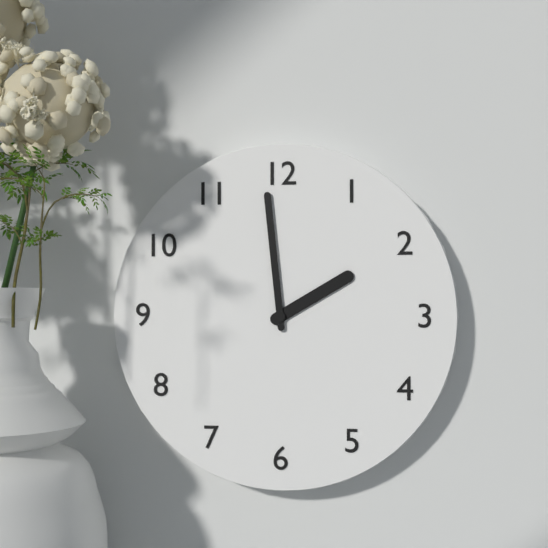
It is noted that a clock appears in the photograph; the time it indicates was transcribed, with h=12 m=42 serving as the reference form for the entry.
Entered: h=1 m=59
